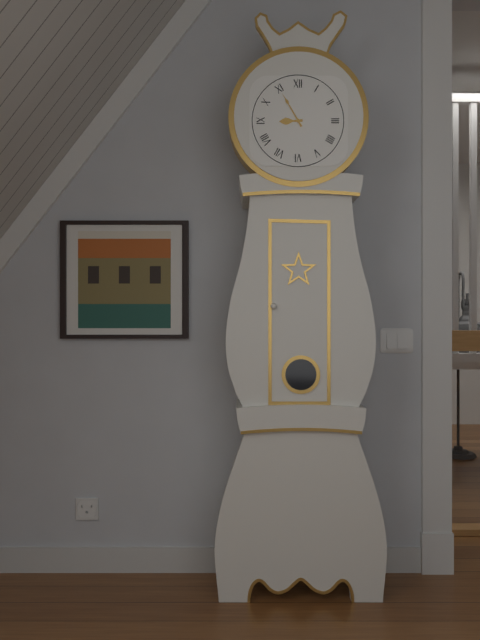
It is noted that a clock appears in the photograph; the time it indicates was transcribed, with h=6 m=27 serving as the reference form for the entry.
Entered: h=8 m=55
